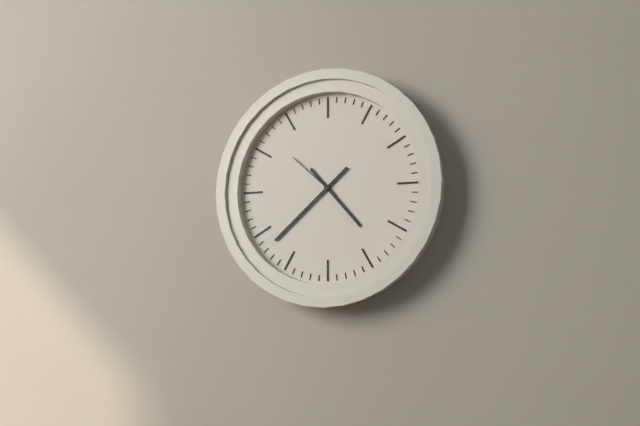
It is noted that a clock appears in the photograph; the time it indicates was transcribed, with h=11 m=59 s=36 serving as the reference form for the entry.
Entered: h=4 m=38 s=52
